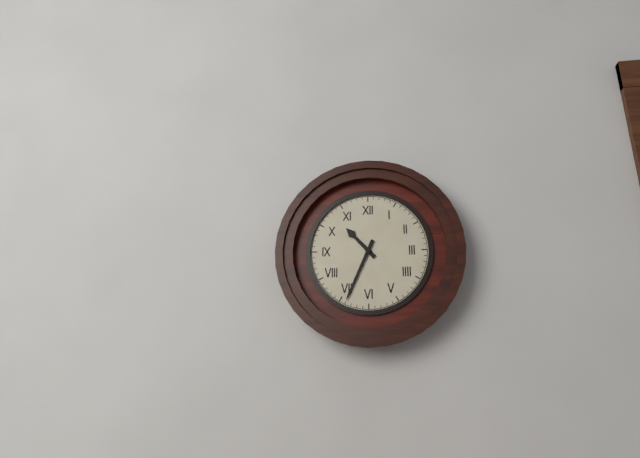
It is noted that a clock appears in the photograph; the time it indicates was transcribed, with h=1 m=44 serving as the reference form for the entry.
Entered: h=10 m=34
